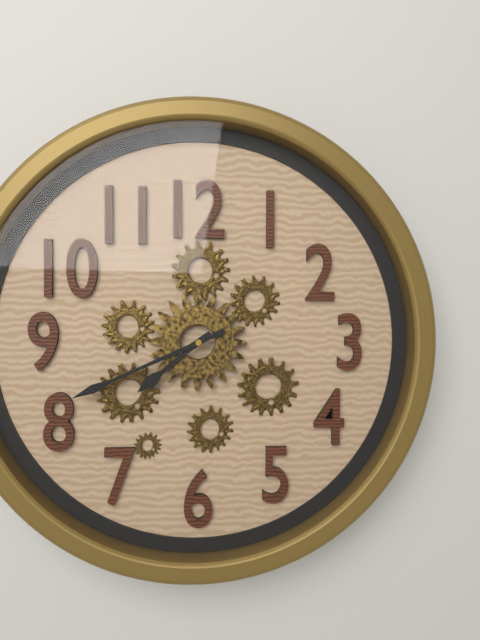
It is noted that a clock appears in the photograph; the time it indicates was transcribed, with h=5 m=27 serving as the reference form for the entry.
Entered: h=7 m=41
